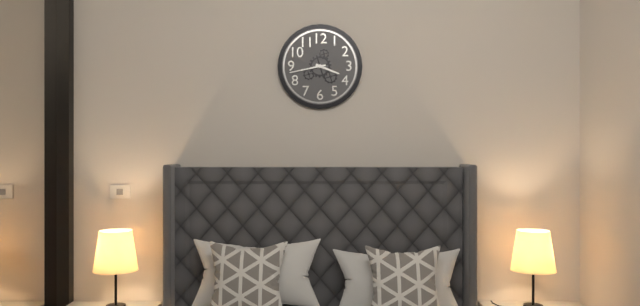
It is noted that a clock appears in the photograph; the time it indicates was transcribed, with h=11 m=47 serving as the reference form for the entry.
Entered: h=3 m=43
